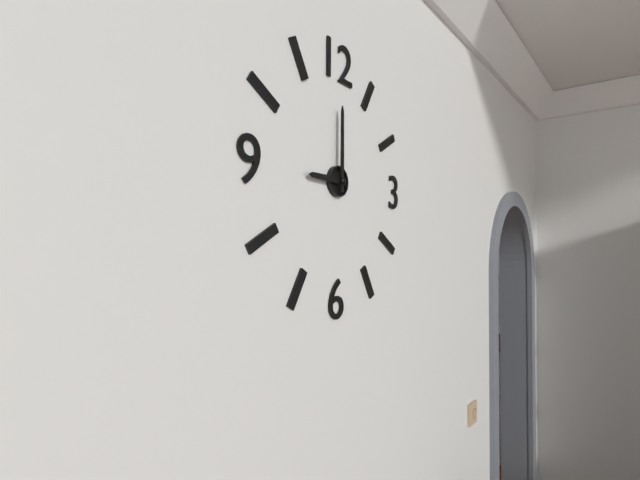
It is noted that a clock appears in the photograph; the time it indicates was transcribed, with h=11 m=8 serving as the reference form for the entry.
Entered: h=9 m=0
